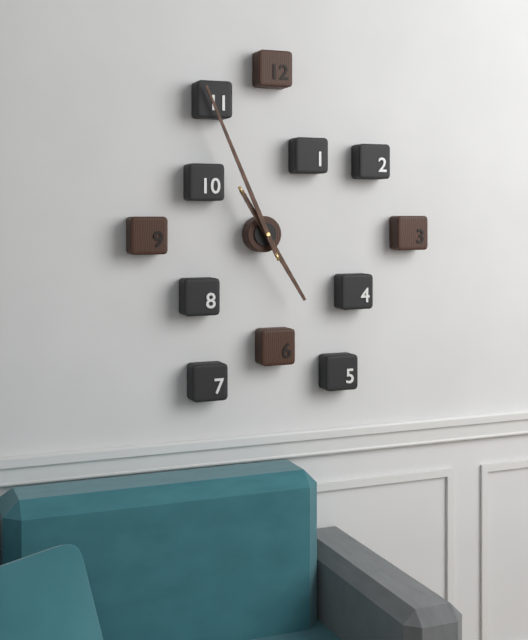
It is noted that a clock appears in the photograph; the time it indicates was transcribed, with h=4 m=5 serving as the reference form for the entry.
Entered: h=4 m=56
